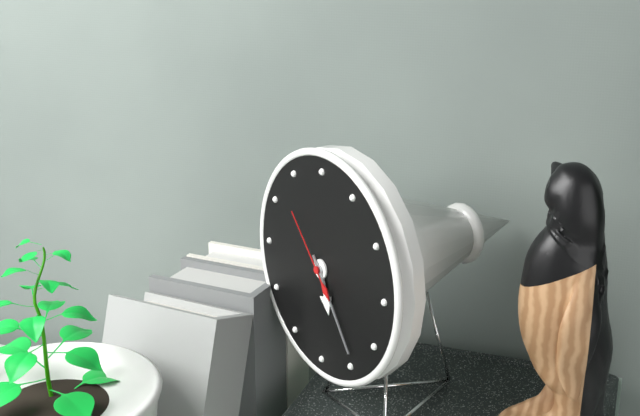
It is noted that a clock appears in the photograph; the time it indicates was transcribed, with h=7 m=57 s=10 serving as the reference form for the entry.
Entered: h=5 m=24 s=53
